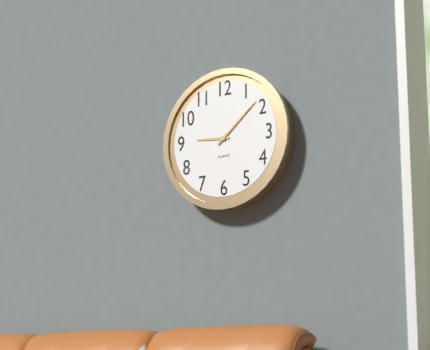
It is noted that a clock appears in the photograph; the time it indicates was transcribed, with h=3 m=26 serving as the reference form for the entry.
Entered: h=9 m=8
